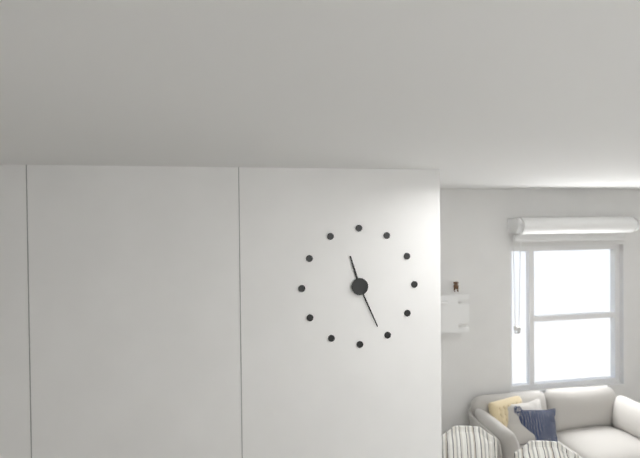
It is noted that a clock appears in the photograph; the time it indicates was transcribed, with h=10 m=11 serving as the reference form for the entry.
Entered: h=11 m=26
